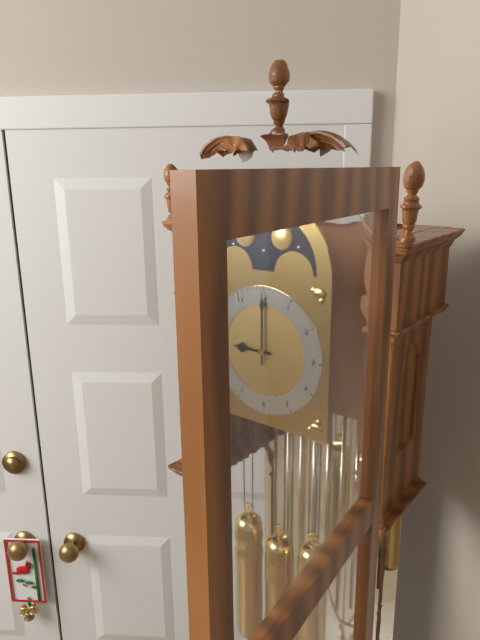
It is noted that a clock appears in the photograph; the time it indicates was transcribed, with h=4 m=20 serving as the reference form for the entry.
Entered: h=9 m=0
